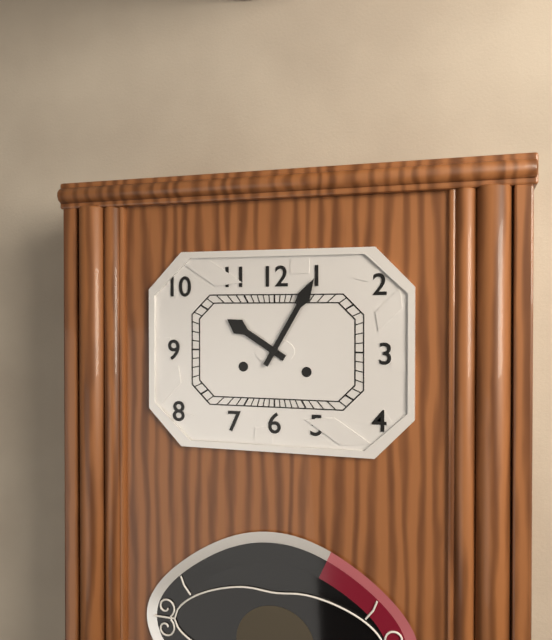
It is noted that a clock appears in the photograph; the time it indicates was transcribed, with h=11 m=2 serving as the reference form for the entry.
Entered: h=10 m=5
